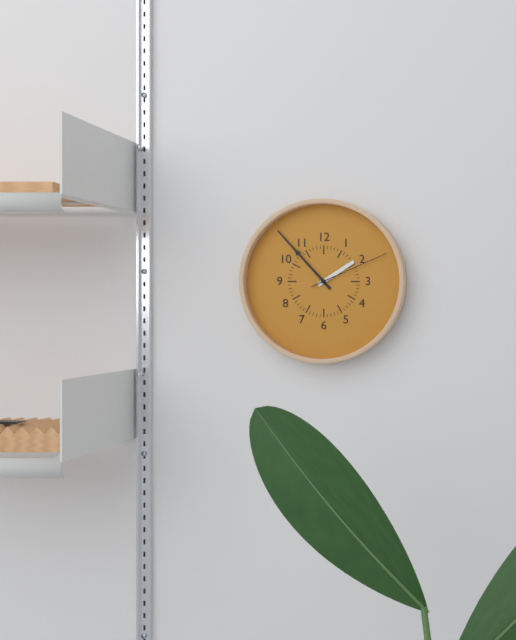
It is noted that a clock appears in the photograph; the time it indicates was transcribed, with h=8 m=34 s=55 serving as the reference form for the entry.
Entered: h=1 m=53 s=11
